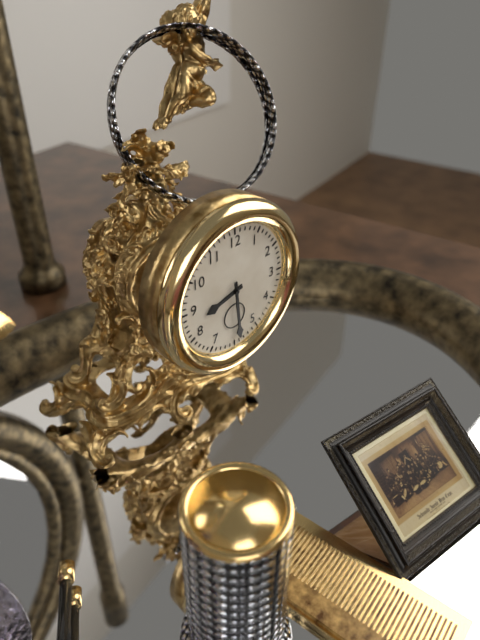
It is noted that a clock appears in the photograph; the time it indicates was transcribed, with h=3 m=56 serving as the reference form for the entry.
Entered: h=8 m=29
